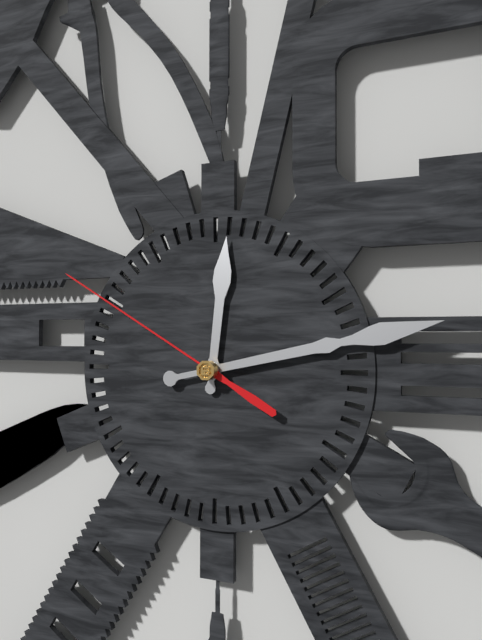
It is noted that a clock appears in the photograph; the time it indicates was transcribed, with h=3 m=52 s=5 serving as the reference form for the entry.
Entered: h=12 m=13 s=50
